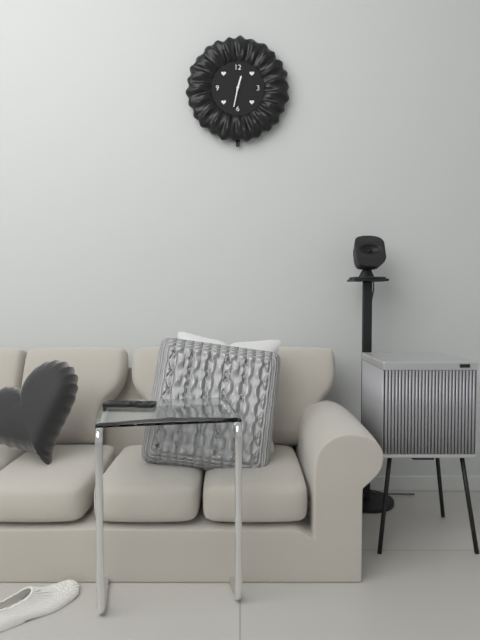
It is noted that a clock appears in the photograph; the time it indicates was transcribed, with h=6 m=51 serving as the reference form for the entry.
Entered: h=12 m=32
